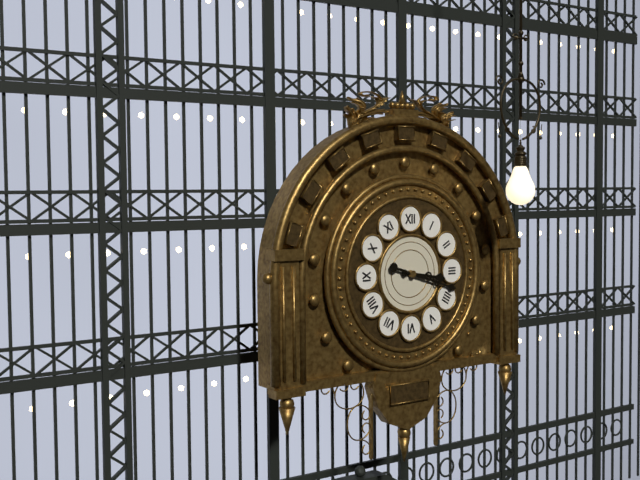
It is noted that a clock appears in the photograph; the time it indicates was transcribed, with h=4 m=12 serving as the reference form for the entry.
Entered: h=3 m=18
